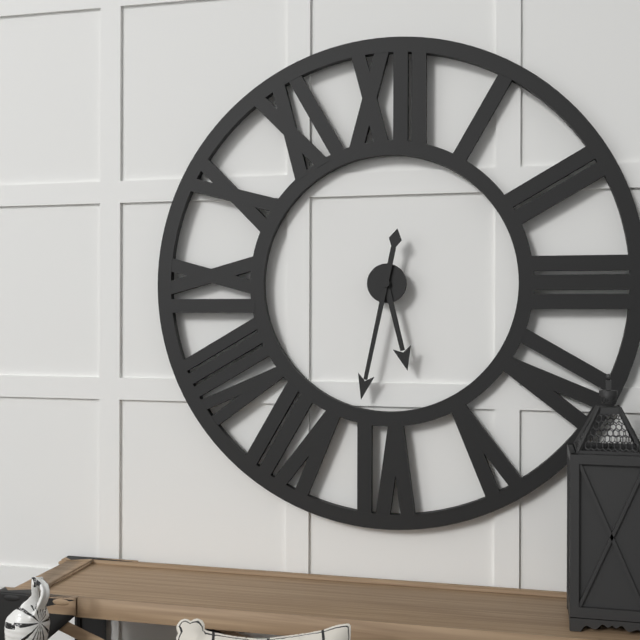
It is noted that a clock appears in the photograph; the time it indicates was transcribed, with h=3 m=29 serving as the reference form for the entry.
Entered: h=5 m=32
